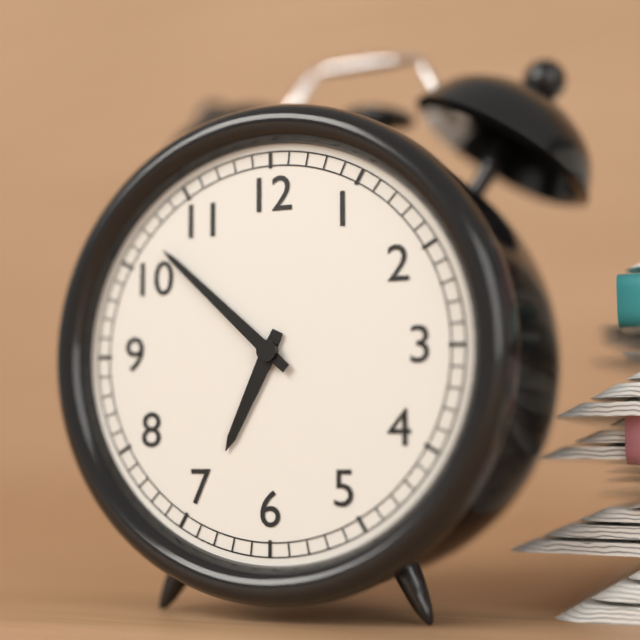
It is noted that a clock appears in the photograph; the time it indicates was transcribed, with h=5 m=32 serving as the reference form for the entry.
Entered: h=6 m=52
